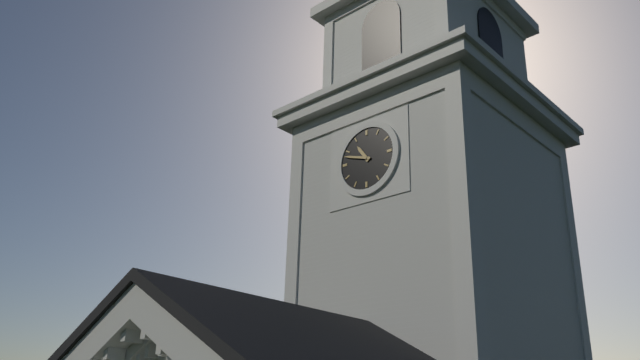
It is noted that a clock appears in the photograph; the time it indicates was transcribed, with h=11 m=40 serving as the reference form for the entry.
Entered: h=10 m=48
